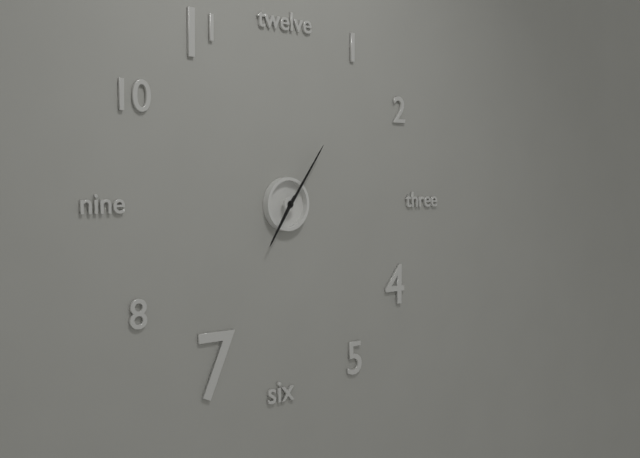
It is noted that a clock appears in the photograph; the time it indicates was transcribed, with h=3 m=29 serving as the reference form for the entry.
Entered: h=7 m=6
